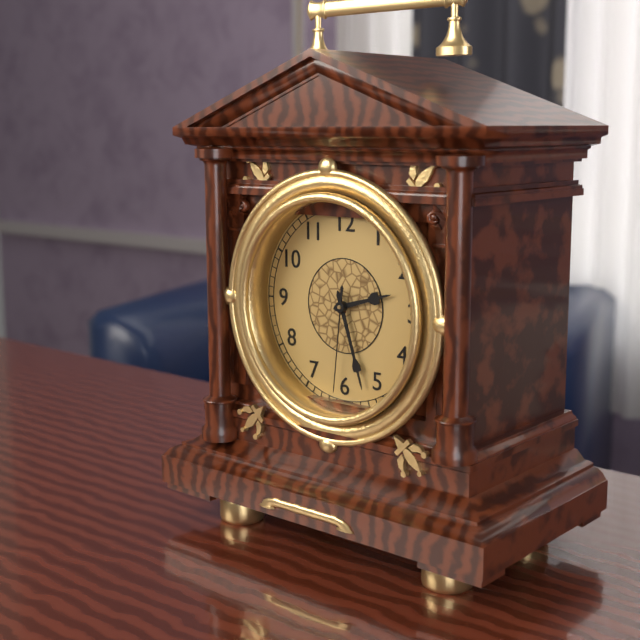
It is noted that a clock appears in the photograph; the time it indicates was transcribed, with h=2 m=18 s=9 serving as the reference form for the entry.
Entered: h=2 m=27 s=31
